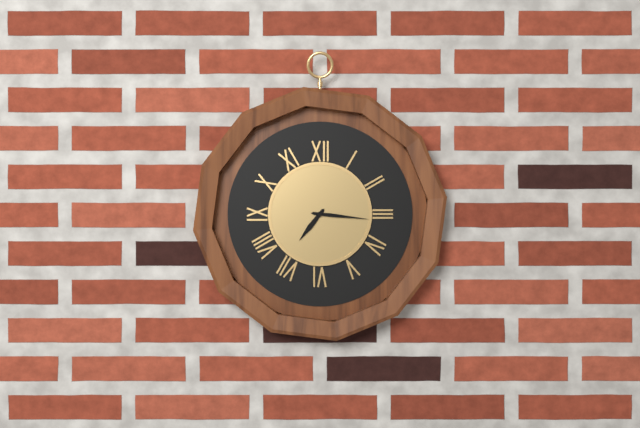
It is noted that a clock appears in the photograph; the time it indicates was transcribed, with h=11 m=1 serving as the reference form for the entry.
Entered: h=7 m=16
